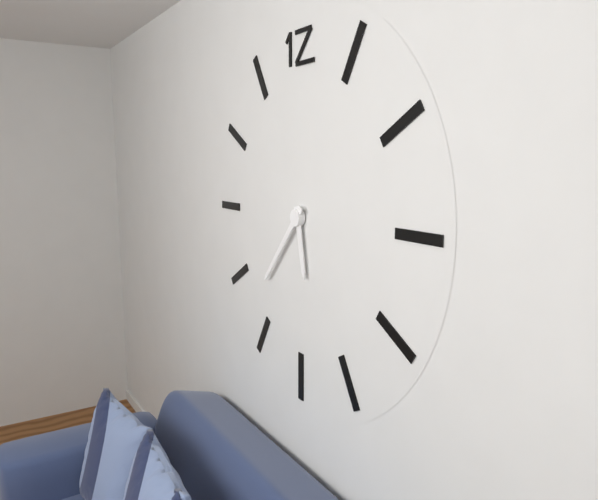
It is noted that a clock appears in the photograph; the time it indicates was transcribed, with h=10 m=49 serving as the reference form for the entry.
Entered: h=5 m=37
